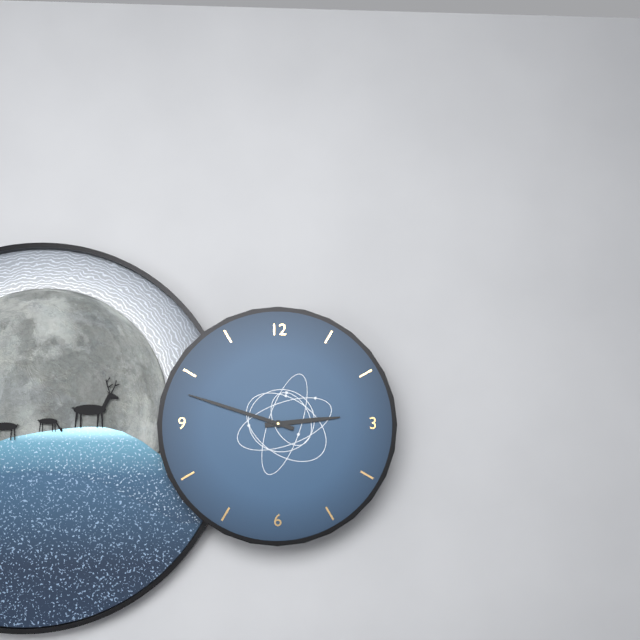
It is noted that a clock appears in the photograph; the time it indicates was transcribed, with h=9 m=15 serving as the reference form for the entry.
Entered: h=2 m=48
